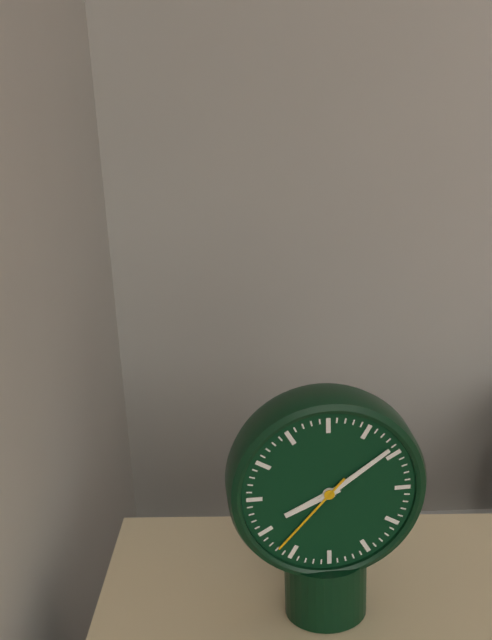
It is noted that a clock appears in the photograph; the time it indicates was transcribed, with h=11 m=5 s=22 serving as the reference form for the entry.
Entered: h=8 m=9 s=37
